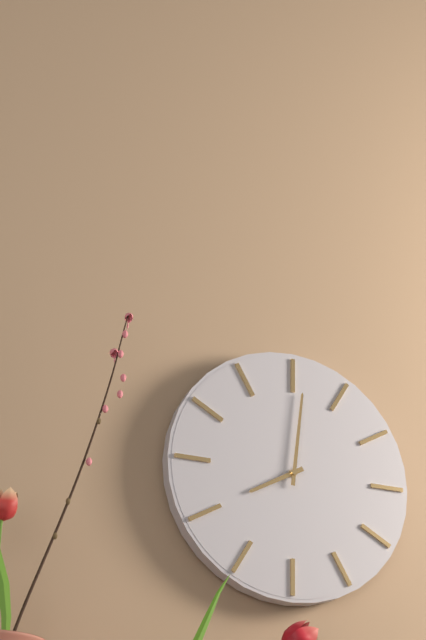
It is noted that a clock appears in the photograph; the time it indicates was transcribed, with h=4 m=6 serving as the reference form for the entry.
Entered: h=8 m=1
